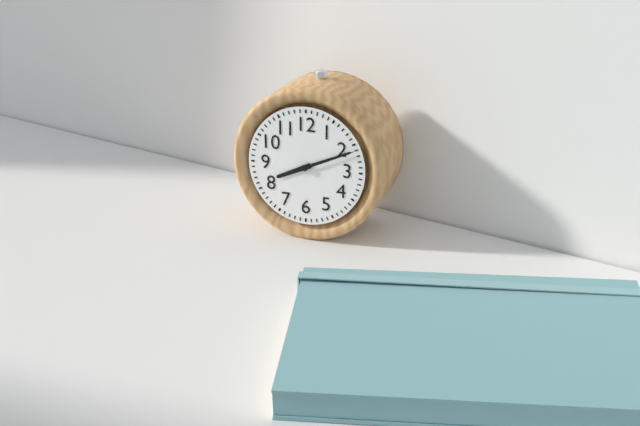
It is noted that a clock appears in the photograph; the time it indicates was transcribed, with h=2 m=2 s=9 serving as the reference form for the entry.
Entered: h=8 m=11 s=11
